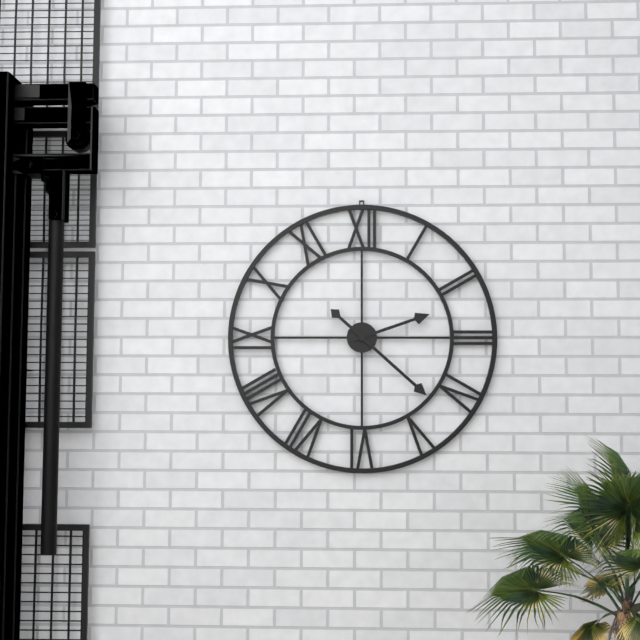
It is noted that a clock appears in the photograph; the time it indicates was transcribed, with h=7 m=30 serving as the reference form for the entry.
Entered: h=2 m=22
